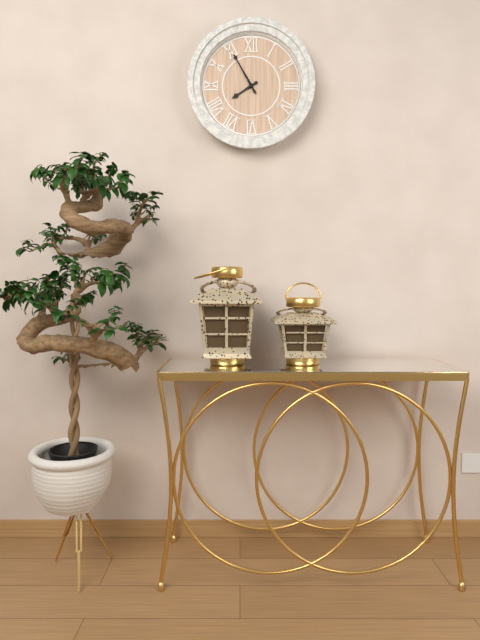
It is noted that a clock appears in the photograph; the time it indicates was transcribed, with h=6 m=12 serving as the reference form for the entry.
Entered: h=7 m=55
